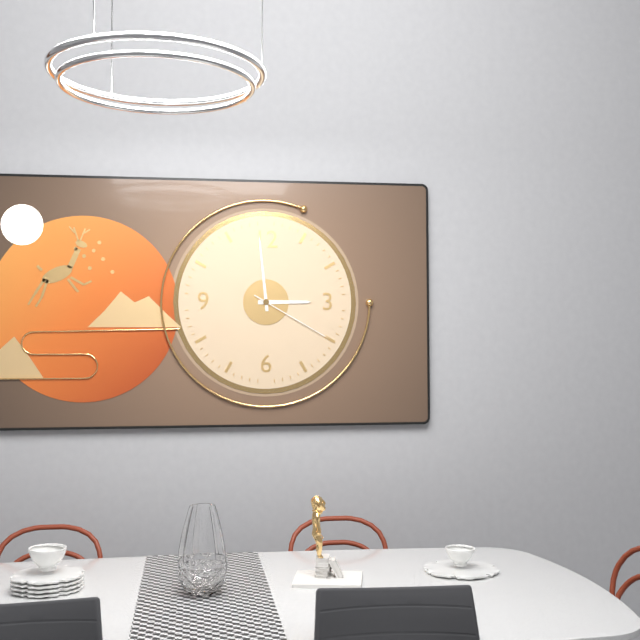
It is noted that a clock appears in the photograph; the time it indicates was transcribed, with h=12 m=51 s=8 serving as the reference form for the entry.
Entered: h=2 m=59 s=20
